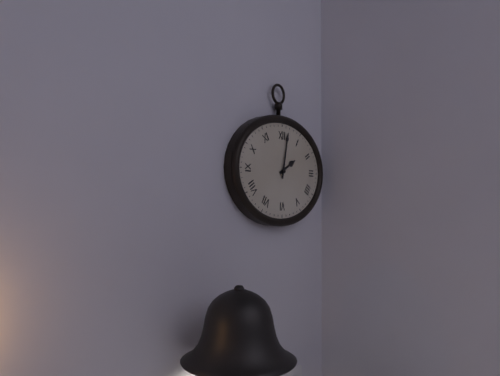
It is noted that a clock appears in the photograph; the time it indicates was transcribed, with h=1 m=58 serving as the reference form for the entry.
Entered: h=2 m=2
